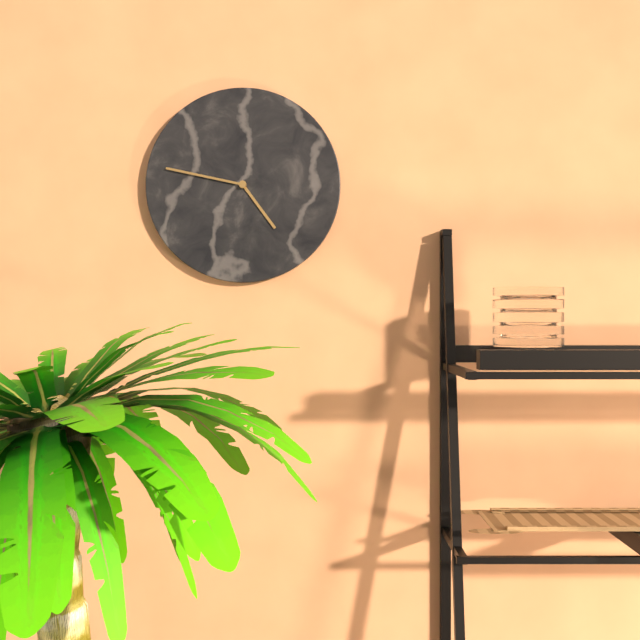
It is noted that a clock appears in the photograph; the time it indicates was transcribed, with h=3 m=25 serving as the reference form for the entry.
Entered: h=4 m=47
